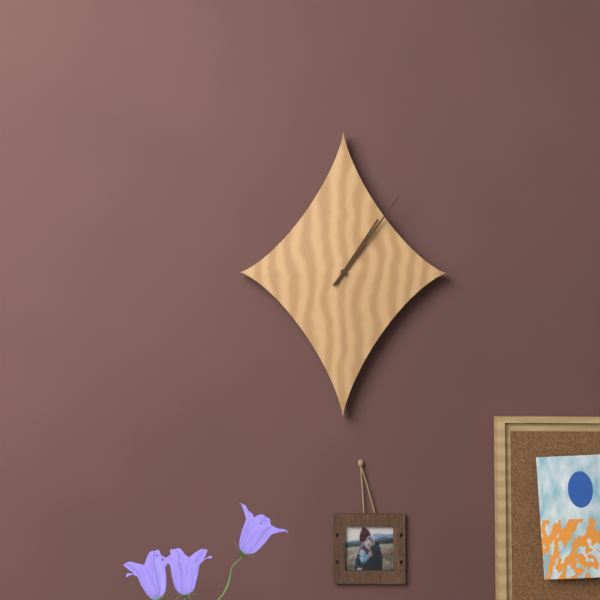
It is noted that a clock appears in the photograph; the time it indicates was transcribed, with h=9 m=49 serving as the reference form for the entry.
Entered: h=1 m=6
